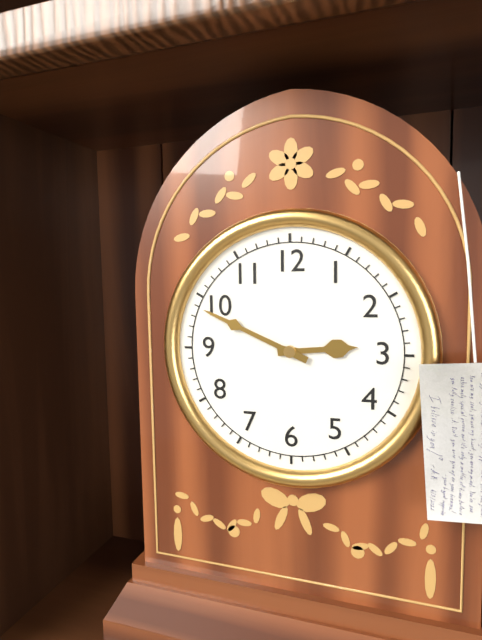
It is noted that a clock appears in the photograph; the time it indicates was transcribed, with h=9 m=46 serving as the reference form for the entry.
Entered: h=2 m=49
